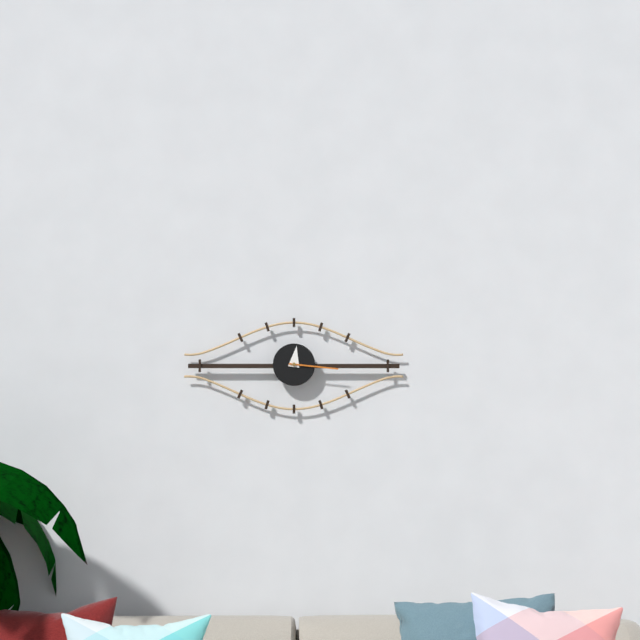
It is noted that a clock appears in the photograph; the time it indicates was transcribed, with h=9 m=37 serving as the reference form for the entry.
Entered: h=12 m=16
